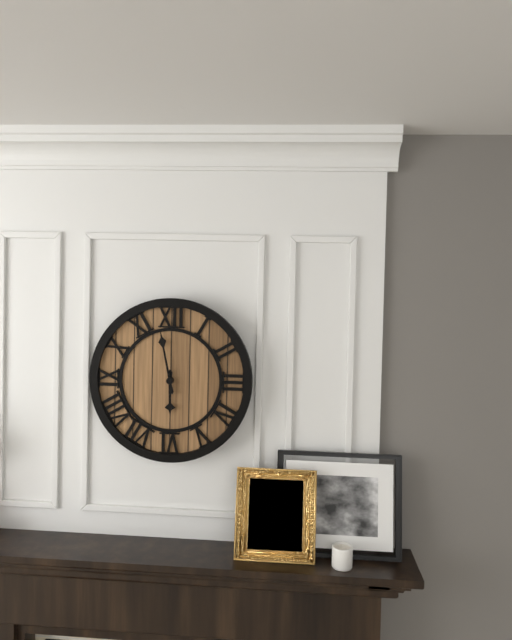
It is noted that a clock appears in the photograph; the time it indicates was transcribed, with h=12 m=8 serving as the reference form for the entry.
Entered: h=5 m=58
